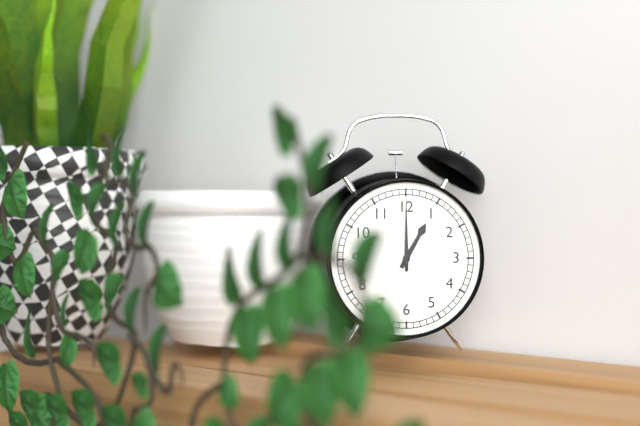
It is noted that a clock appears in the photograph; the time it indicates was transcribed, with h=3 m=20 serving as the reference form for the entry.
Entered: h=1 m=0
